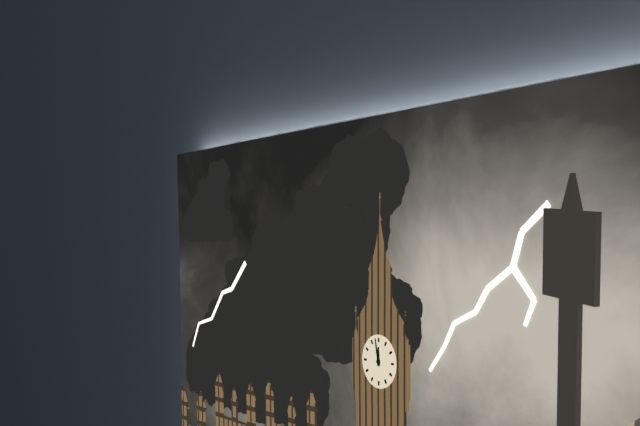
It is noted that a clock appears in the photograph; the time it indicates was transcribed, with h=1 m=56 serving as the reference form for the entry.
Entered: h=11 m=58
